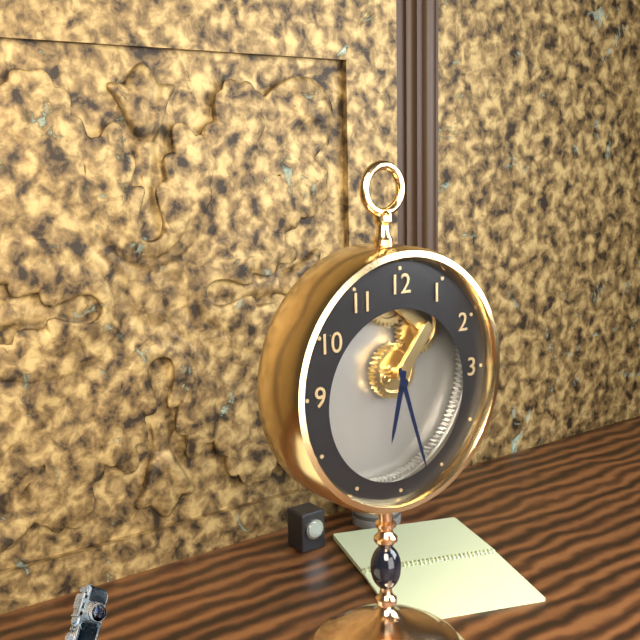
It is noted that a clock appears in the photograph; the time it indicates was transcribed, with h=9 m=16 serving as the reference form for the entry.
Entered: h=6 m=27
